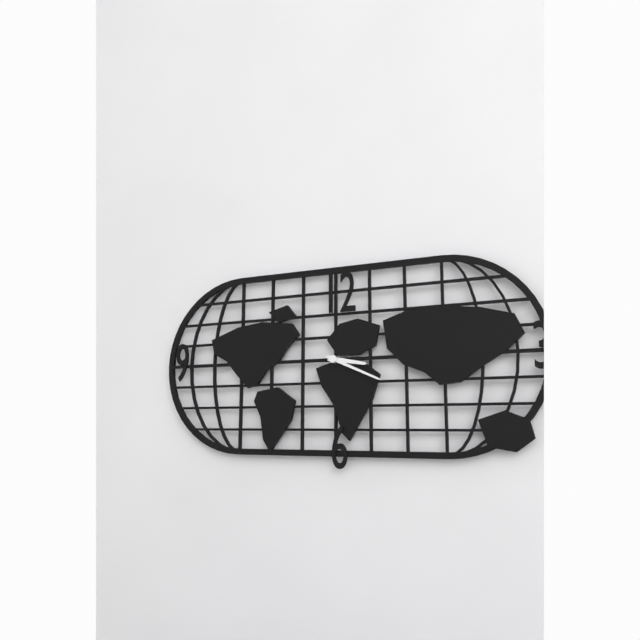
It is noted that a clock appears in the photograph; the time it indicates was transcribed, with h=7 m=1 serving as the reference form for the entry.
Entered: h=3 m=19
